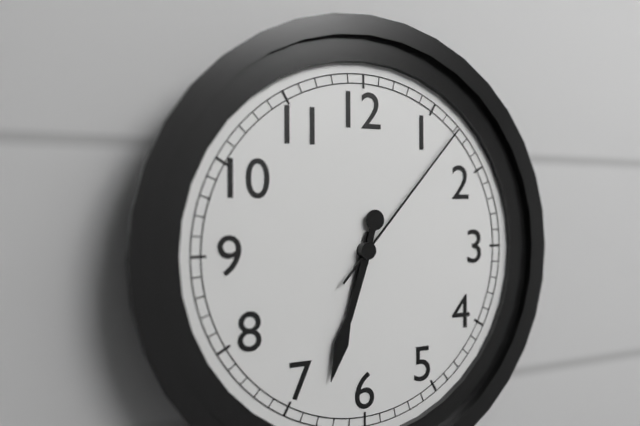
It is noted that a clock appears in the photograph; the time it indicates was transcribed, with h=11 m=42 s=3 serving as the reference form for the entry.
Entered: h=6 m=33 s=7
